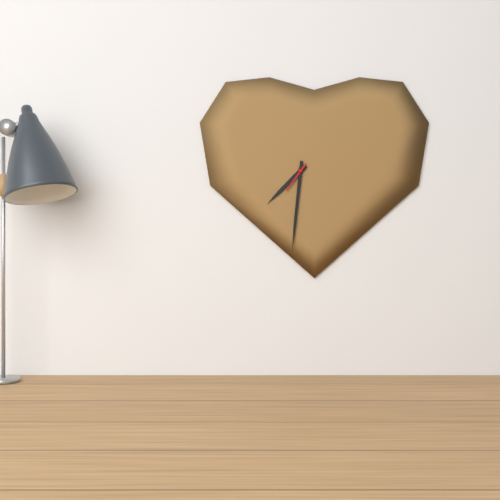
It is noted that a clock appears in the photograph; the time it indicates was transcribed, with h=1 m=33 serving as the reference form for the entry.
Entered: h=7 m=31
